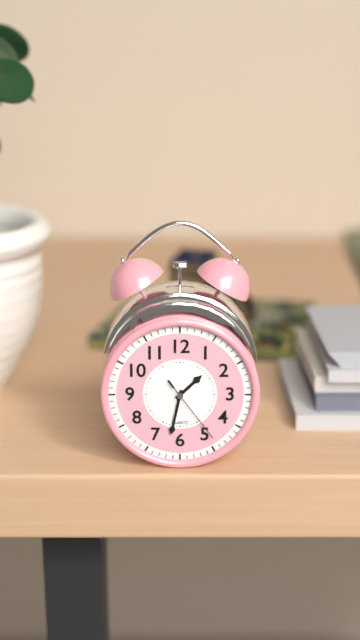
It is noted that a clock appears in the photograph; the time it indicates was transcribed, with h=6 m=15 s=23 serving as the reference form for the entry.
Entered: h=1 m=32 s=24
